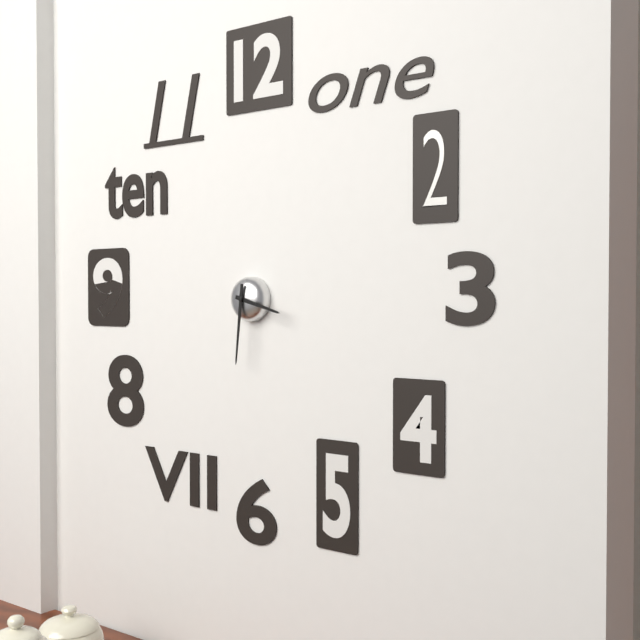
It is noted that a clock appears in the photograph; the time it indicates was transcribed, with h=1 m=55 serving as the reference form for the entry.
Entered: h=3 m=31
